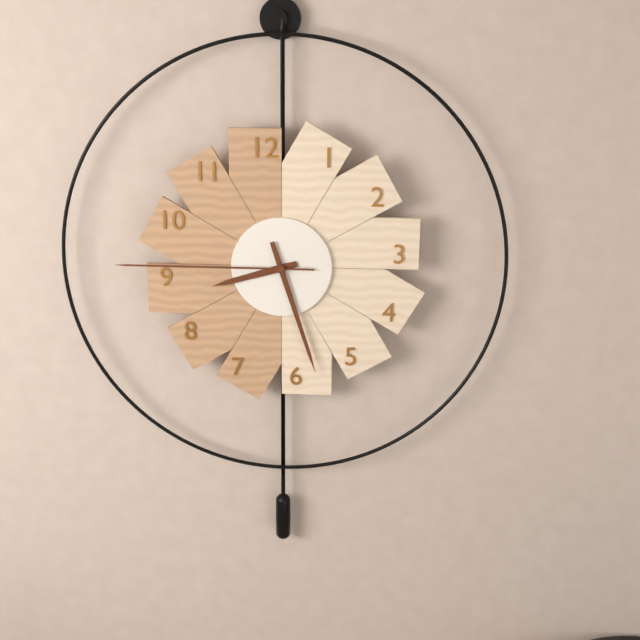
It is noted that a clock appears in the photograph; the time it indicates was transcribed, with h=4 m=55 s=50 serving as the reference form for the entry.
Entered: h=8 m=27 s=45
